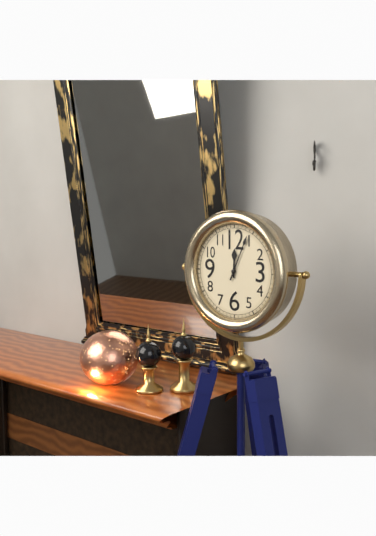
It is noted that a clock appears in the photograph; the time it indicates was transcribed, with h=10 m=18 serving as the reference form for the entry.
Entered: h=12 m=4
